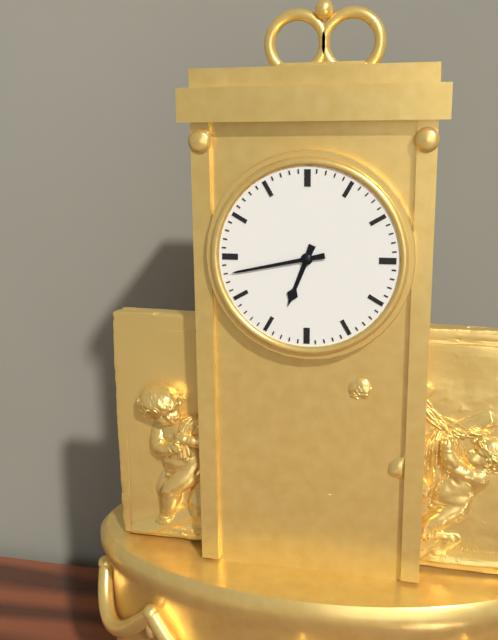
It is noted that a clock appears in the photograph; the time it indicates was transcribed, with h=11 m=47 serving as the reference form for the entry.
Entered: h=6 m=43
